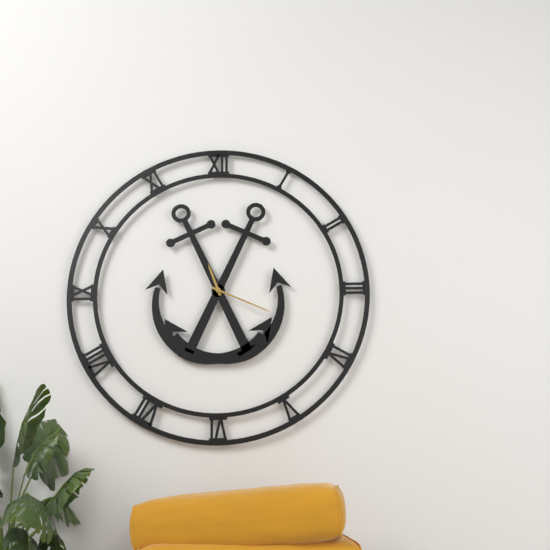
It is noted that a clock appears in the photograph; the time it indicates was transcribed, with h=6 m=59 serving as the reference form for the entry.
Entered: h=11 m=19
